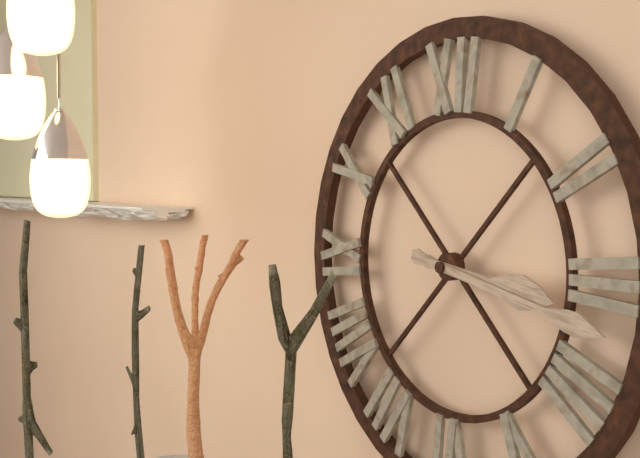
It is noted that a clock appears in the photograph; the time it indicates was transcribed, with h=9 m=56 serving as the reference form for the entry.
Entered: h=3 m=17
